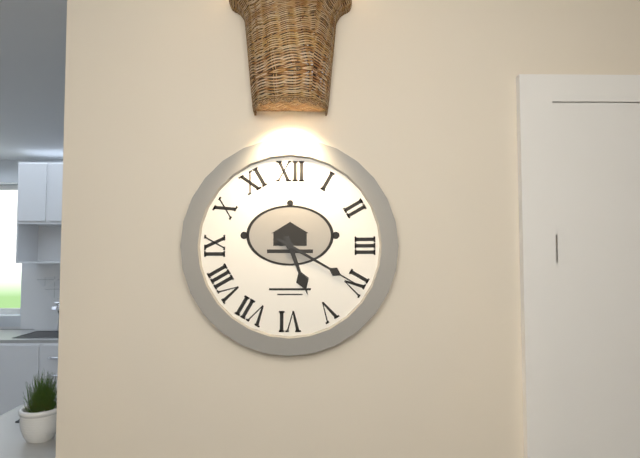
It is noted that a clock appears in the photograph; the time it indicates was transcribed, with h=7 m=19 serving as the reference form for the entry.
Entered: h=5 m=20
